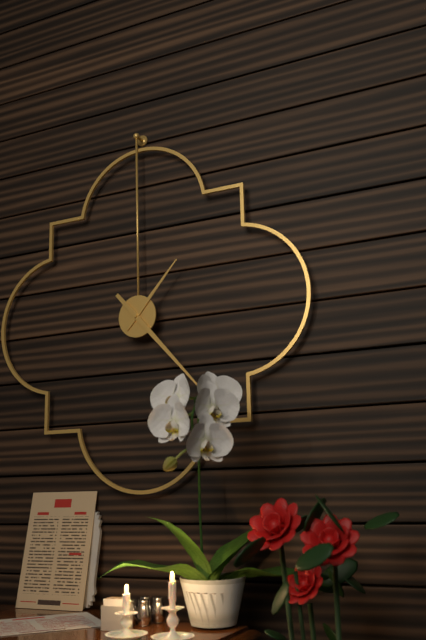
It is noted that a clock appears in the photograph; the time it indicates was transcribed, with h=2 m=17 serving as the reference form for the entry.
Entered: h=1 m=23
